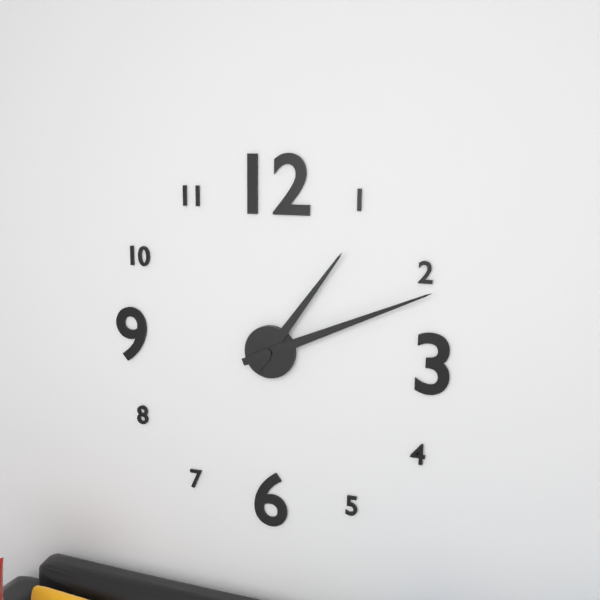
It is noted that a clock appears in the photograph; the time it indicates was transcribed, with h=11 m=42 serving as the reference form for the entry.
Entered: h=1 m=11
